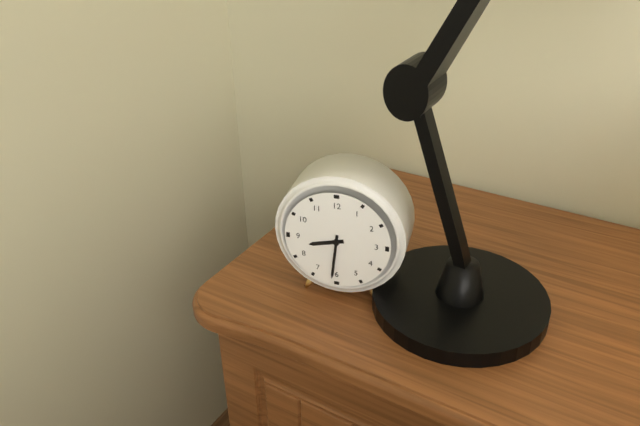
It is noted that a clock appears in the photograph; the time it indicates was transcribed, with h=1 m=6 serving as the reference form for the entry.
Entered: h=8 m=31
